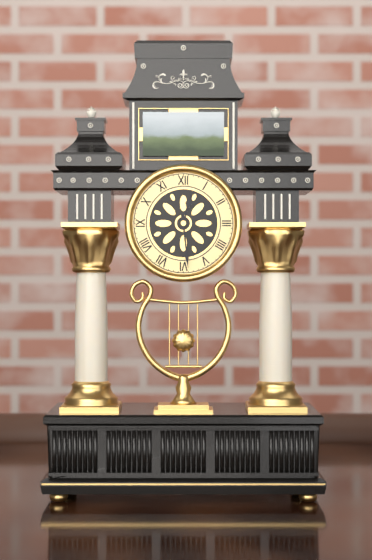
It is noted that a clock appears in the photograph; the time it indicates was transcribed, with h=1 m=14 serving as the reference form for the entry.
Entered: h=12 m=29
